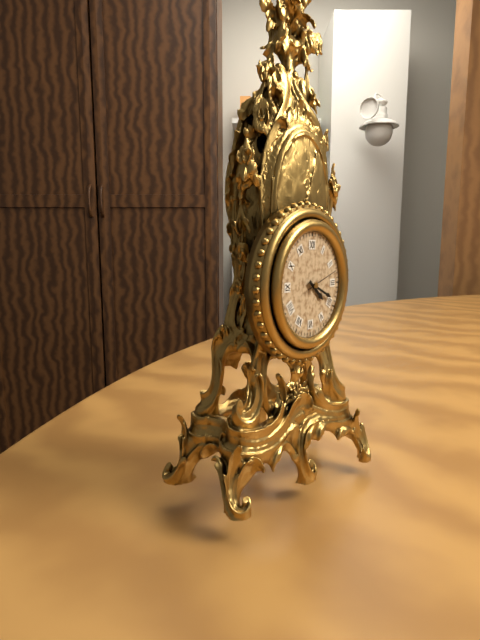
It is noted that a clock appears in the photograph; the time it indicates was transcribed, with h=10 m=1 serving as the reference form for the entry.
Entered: h=4 m=19
